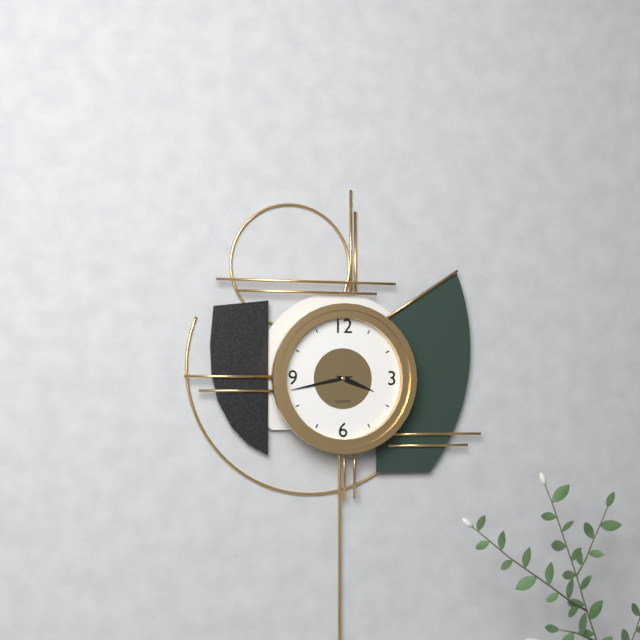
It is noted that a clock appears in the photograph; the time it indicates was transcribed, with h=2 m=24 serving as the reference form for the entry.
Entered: h=3 m=43
